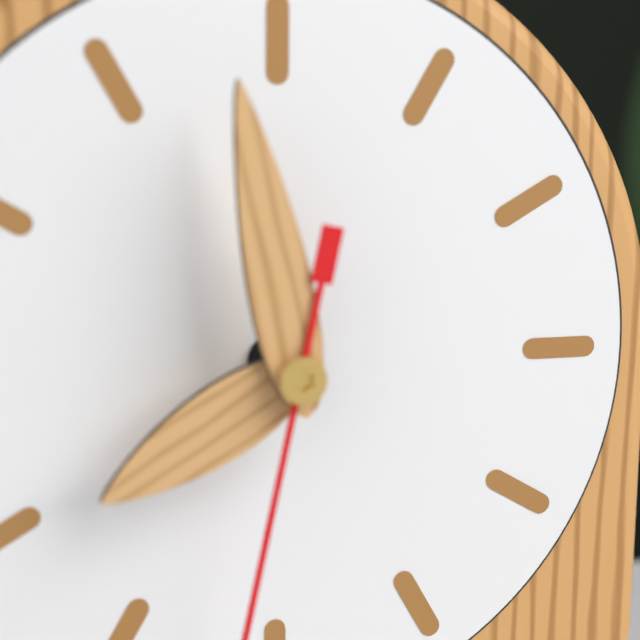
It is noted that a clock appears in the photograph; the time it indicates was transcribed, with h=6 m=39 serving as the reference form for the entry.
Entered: h=7 m=58
